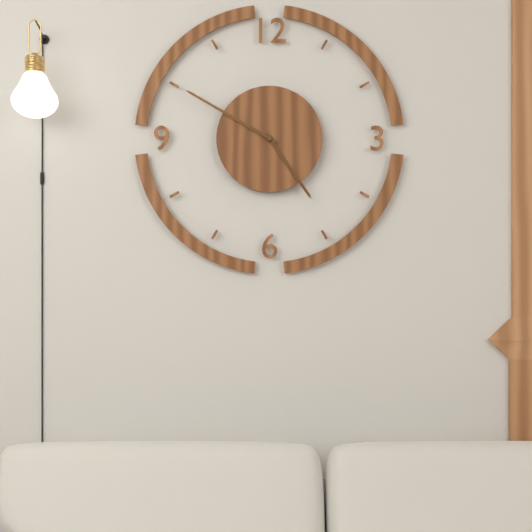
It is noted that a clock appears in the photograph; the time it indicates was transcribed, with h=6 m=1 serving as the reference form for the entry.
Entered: h=4 m=50
